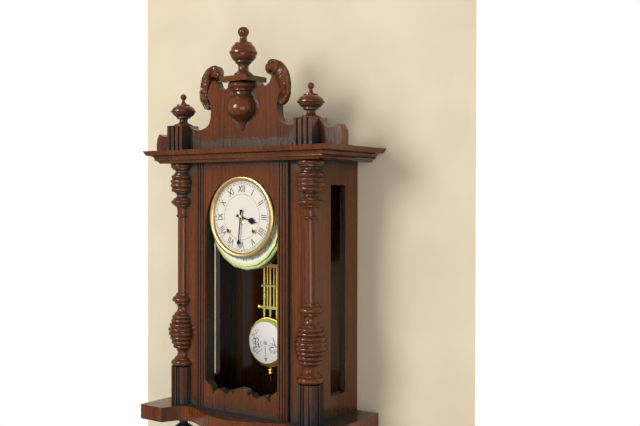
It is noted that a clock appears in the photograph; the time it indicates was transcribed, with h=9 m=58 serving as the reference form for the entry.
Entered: h=3 m=31
